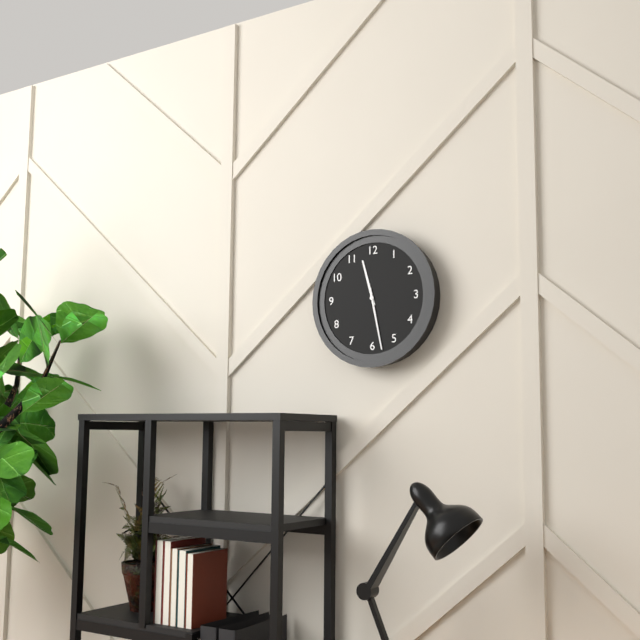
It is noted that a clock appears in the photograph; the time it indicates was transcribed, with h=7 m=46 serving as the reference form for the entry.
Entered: h=11 m=28
